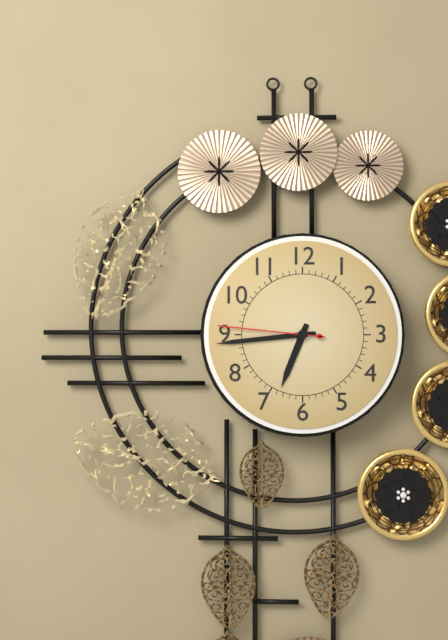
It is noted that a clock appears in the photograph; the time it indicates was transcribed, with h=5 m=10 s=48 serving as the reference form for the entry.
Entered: h=6 m=44 s=46
